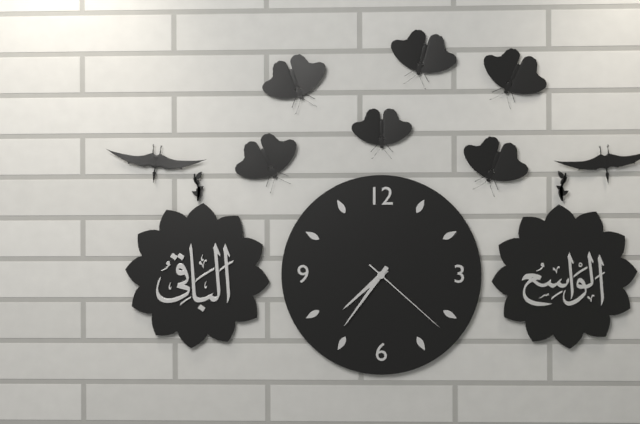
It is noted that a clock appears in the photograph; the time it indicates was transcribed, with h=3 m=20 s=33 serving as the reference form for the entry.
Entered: h=7 m=36 s=22
